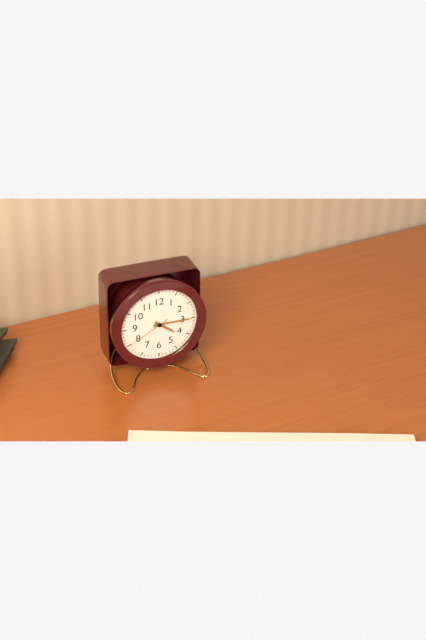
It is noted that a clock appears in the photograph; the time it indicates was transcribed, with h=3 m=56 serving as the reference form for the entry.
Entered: h=4 m=15
